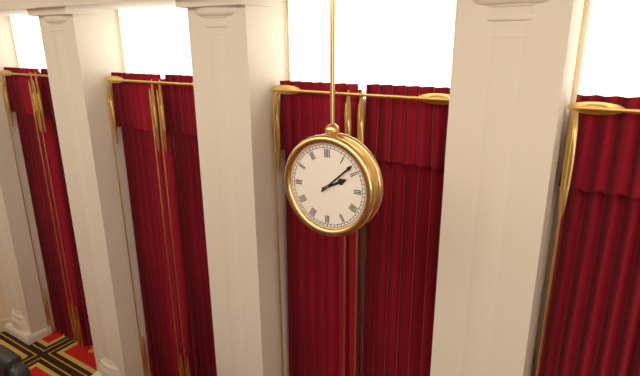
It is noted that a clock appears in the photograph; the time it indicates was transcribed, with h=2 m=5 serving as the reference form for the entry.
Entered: h=2 m=8
